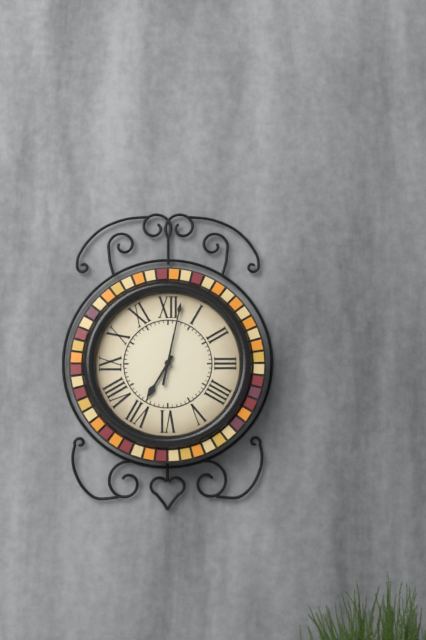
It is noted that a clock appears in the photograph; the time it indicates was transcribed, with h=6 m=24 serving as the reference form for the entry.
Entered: h=7 m=2
